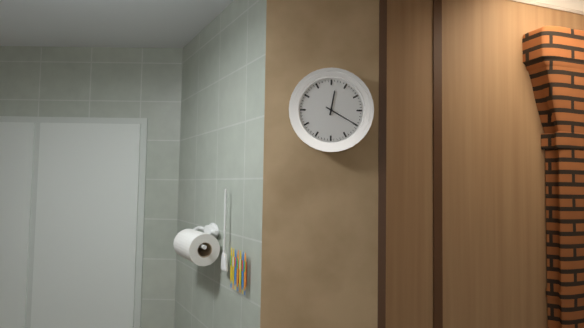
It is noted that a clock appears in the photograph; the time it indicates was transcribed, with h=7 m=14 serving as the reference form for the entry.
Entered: h=12 m=20
